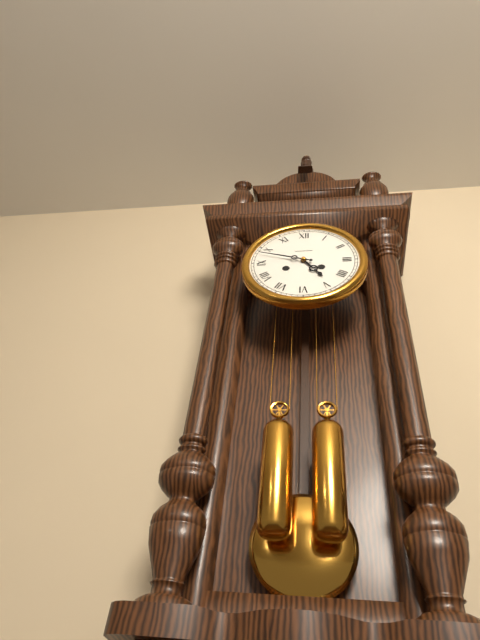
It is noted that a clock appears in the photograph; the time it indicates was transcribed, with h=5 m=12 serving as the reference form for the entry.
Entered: h=4 m=48
